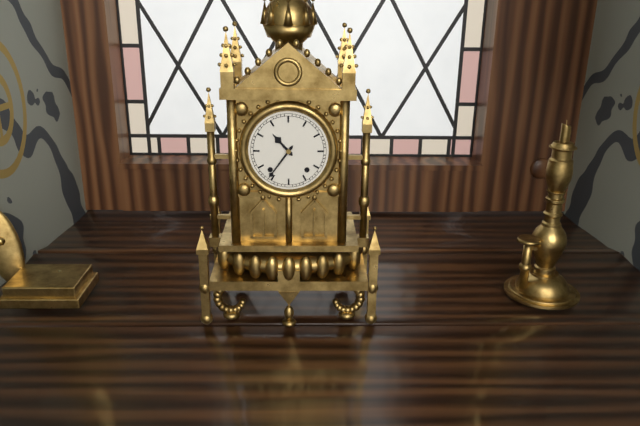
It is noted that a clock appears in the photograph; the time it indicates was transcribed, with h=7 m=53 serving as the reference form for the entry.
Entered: h=10 m=36
